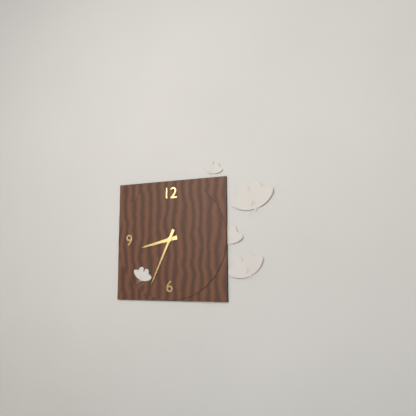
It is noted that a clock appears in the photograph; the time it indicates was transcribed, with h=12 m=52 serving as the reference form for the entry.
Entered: h=8 m=34
